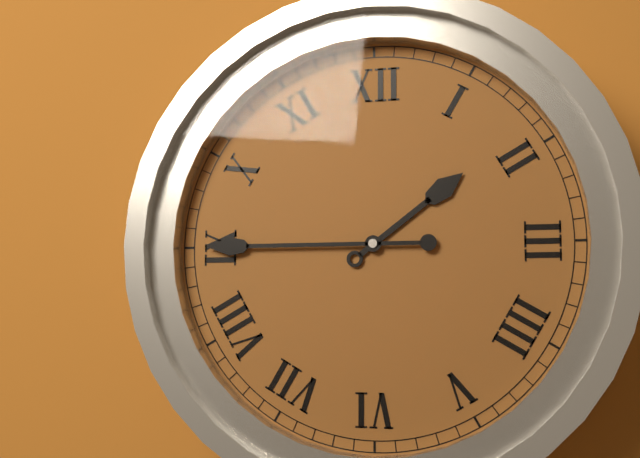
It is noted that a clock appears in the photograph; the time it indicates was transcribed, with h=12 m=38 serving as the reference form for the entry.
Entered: h=1 m=45
